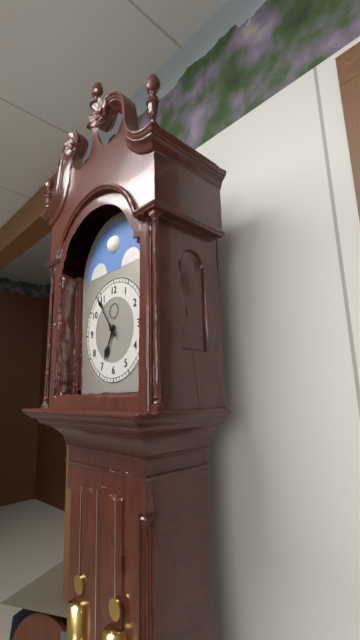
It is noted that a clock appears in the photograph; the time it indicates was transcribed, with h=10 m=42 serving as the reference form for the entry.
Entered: h=6 m=54
